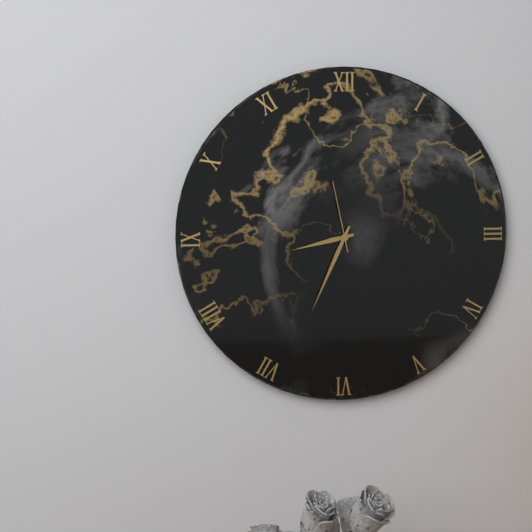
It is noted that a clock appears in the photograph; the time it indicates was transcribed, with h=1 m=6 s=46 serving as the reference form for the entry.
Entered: h=8 m=34 s=58
